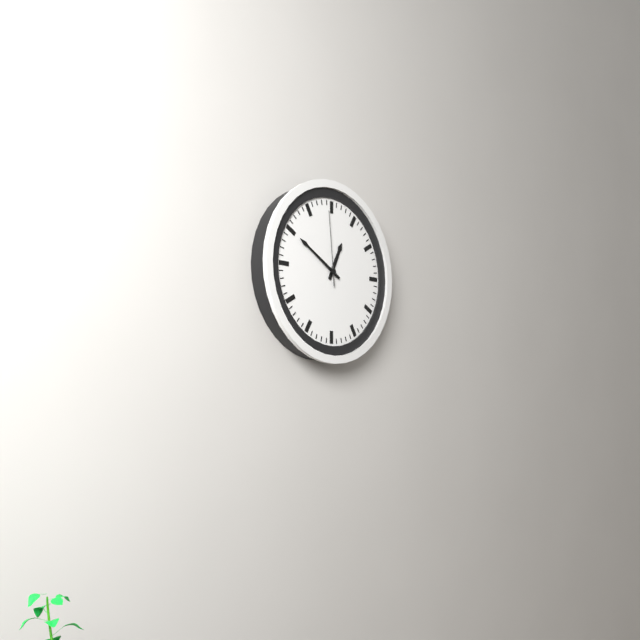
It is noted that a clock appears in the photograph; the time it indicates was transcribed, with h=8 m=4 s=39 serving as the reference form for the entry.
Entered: h=12 m=50 s=59
